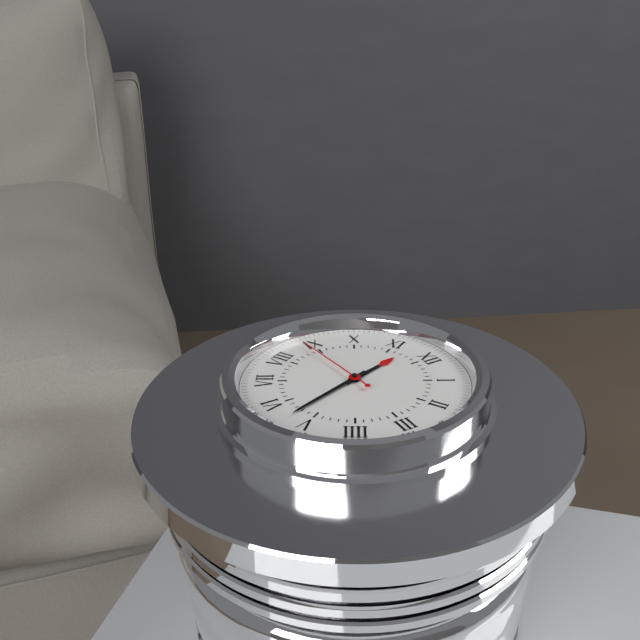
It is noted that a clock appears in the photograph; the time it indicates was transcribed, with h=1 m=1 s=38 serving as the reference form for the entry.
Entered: h=11 m=27 s=44
